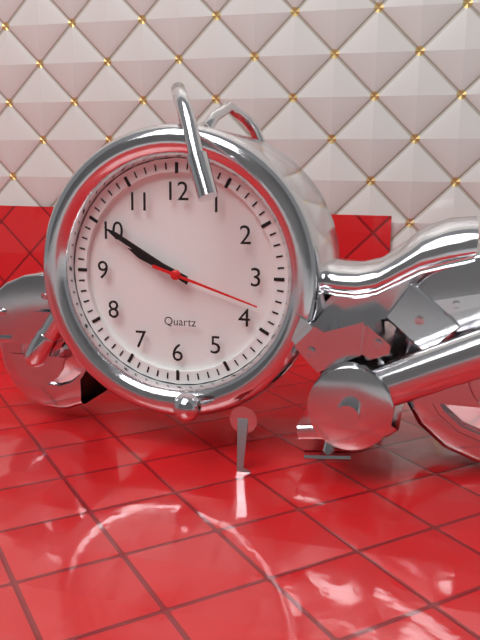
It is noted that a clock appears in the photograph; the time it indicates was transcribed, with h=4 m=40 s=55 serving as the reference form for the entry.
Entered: h=9 m=50 s=18
